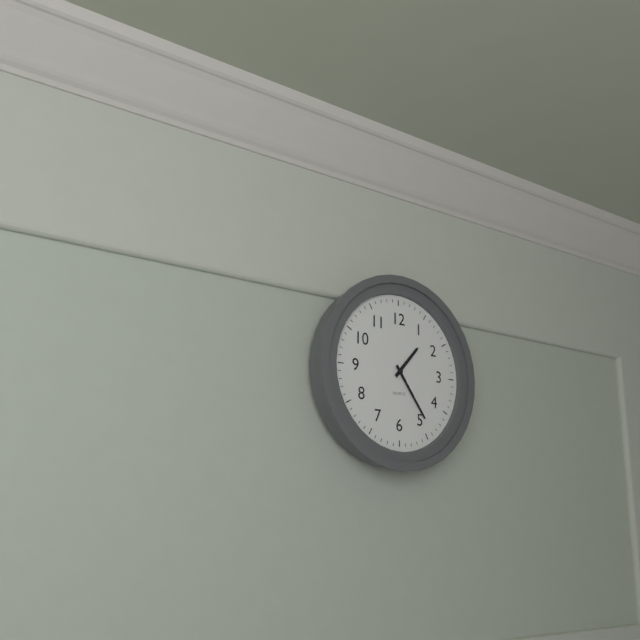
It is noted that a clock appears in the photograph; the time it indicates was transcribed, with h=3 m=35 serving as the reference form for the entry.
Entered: h=1 m=24
